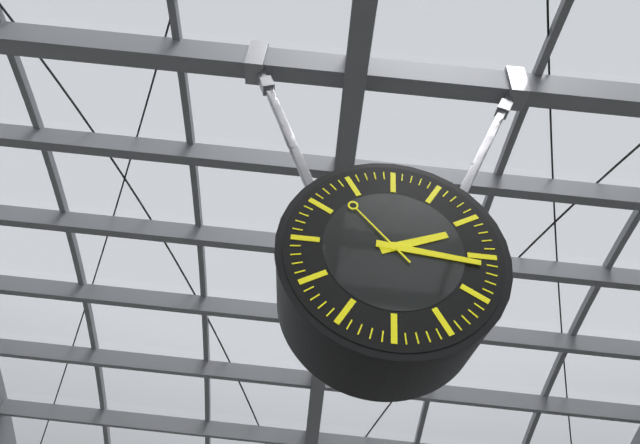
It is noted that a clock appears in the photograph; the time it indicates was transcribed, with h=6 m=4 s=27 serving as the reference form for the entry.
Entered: h=2 m=16 s=53
